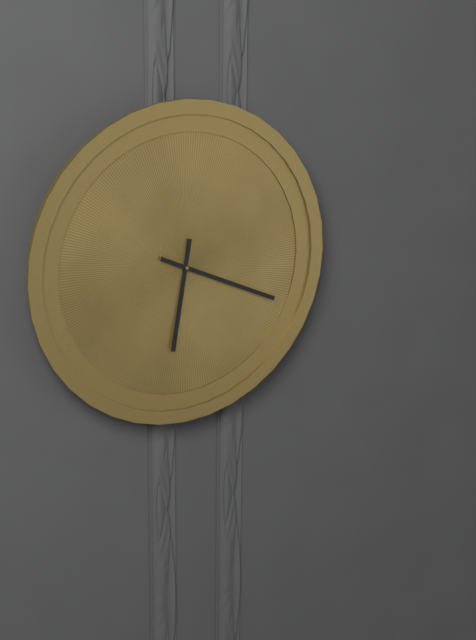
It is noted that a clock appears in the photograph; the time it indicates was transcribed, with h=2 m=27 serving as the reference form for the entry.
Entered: h=6 m=19
